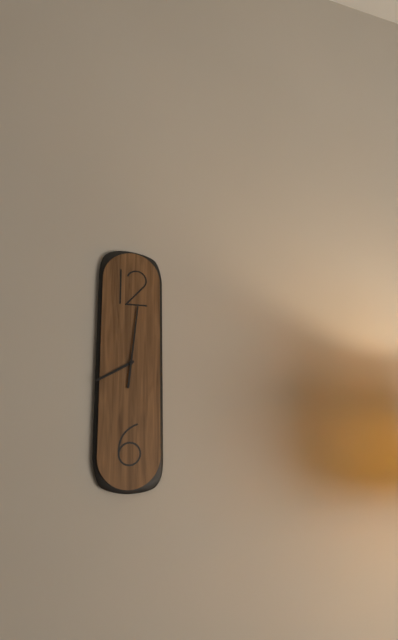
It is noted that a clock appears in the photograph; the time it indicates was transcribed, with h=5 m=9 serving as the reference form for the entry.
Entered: h=8 m=1
